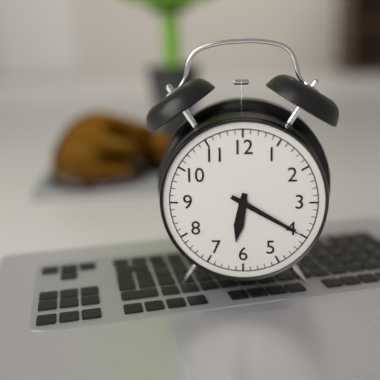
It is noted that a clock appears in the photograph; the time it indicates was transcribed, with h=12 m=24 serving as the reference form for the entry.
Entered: h=6 m=20
